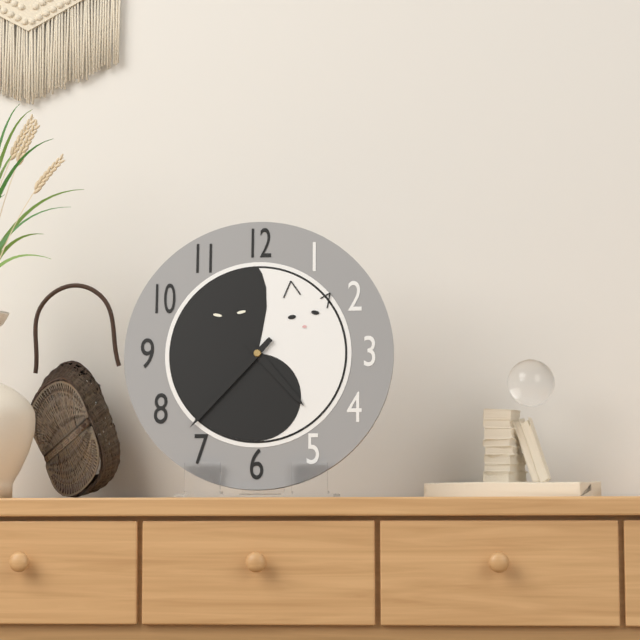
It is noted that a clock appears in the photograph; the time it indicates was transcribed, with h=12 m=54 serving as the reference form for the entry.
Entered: h=4 m=37
